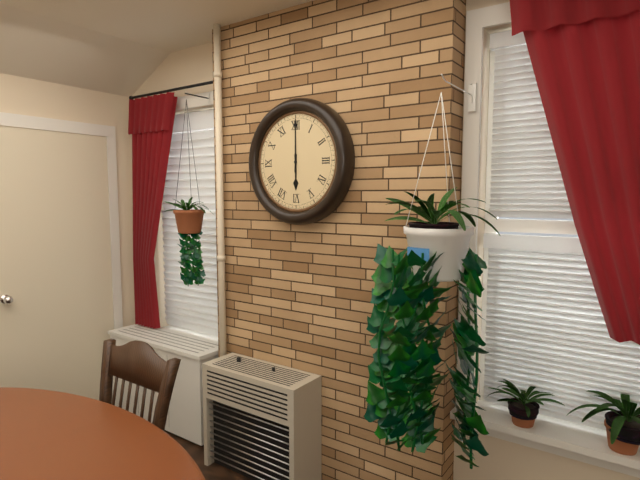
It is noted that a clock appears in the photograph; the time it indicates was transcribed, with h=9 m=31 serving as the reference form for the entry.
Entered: h=6 m=0
